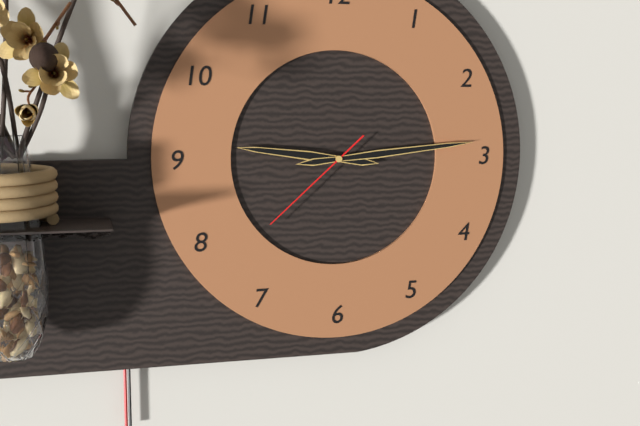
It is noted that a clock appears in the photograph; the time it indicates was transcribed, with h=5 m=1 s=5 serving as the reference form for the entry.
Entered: h=9 m=14 s=38
